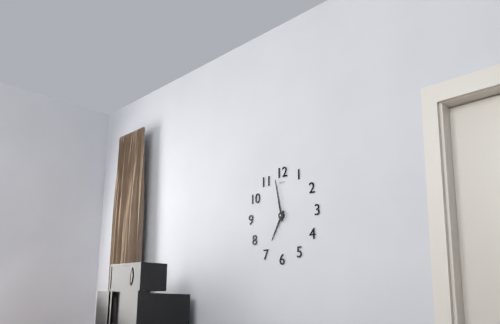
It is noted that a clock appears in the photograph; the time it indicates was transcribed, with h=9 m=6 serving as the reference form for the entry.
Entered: h=6 m=58
